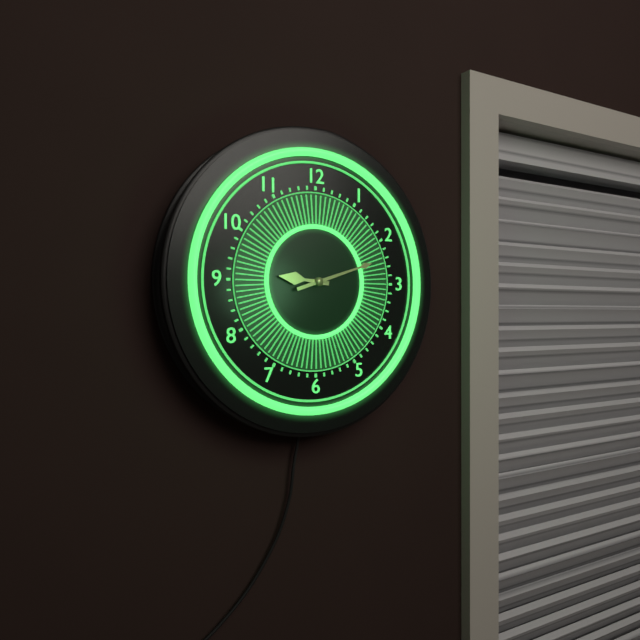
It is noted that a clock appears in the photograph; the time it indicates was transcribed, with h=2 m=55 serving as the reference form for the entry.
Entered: h=9 m=12
